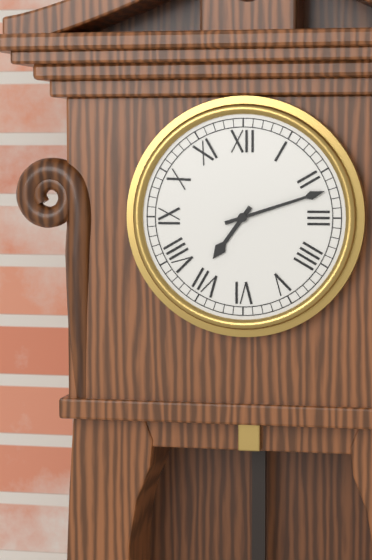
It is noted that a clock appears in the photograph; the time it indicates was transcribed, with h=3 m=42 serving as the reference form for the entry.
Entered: h=7 m=12
